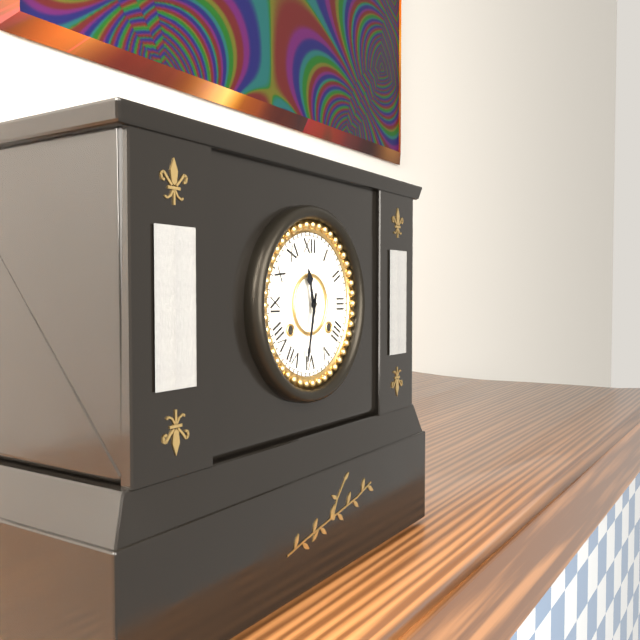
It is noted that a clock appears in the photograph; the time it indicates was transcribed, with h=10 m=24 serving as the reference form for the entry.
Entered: h=11 m=32
